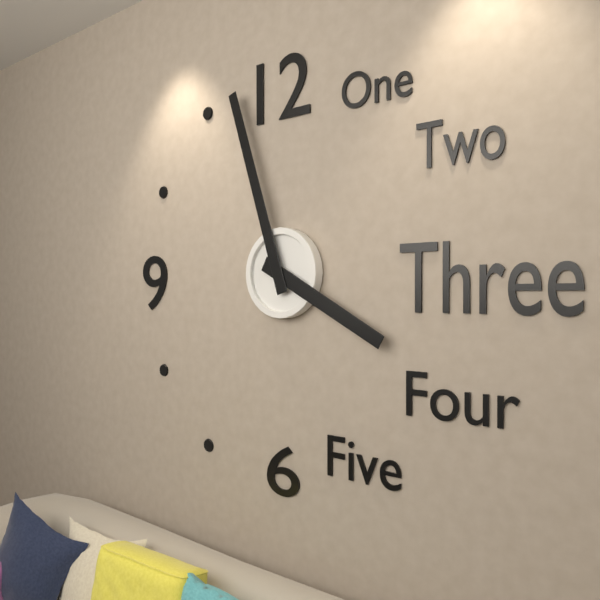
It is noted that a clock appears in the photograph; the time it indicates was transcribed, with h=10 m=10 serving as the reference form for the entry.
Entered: h=3 m=57
